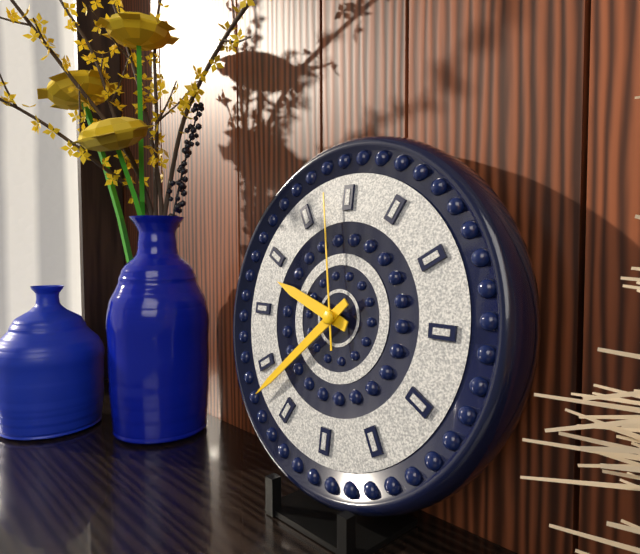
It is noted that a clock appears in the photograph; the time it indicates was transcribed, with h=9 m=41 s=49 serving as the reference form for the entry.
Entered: h=9 m=38 s=58
